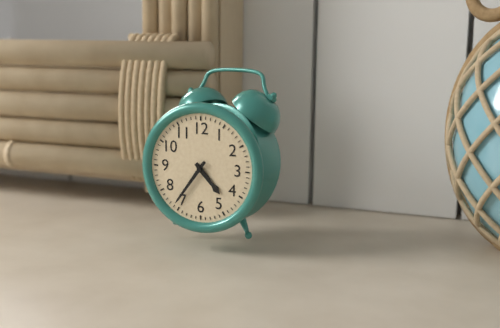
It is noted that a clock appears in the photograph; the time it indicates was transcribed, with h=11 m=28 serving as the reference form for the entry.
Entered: h=4 m=36
